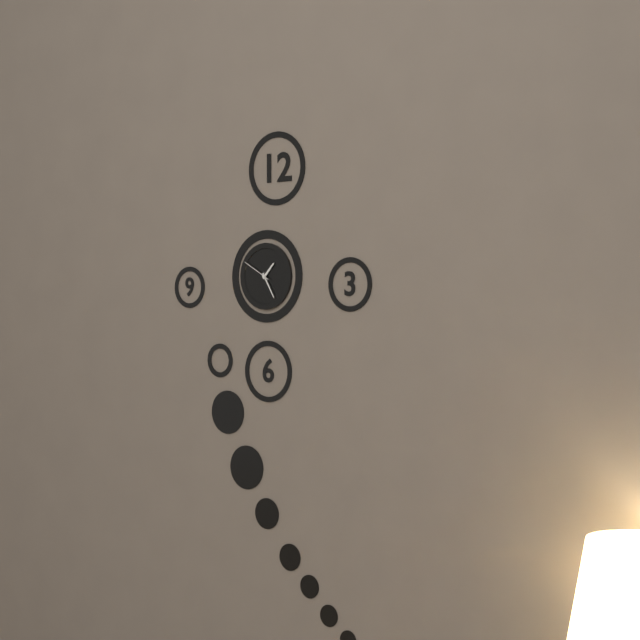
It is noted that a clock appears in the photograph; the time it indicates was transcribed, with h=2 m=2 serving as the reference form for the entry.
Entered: h=1 m=25
